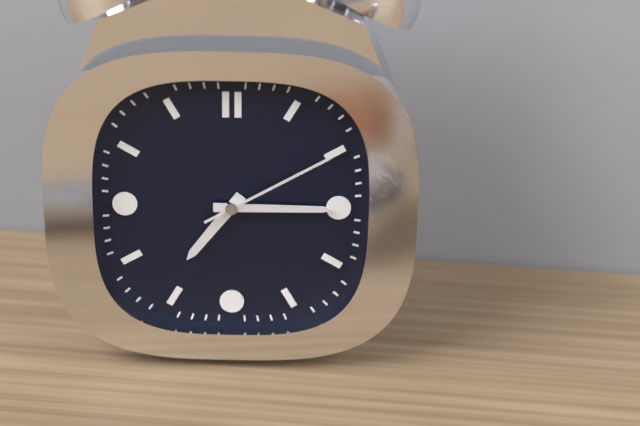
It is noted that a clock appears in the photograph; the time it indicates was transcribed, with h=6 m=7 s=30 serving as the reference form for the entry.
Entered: h=7 m=15 s=10
